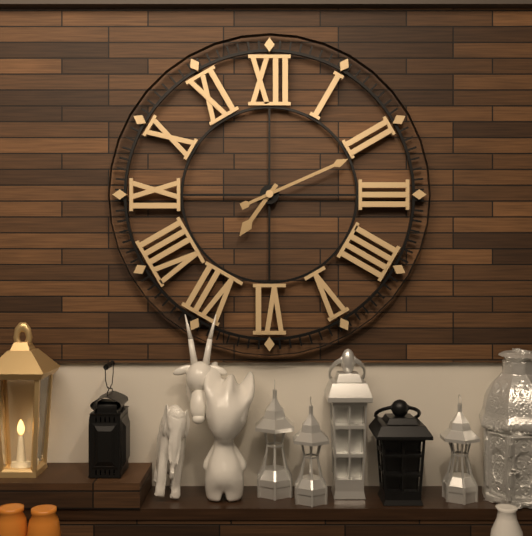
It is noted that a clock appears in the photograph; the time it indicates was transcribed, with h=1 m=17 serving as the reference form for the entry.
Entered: h=7 m=11
